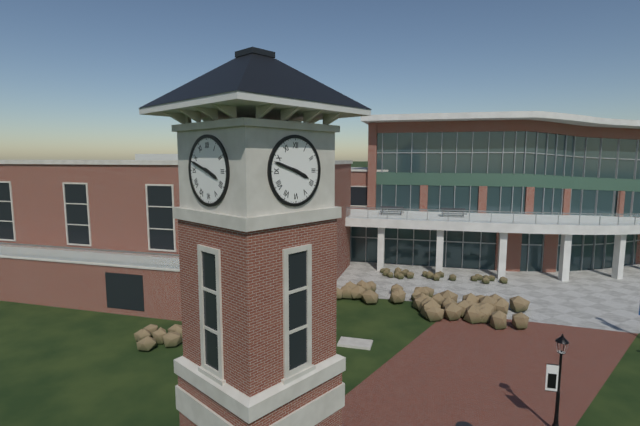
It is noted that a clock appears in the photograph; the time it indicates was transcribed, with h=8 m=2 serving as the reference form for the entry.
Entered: h=3 m=48
